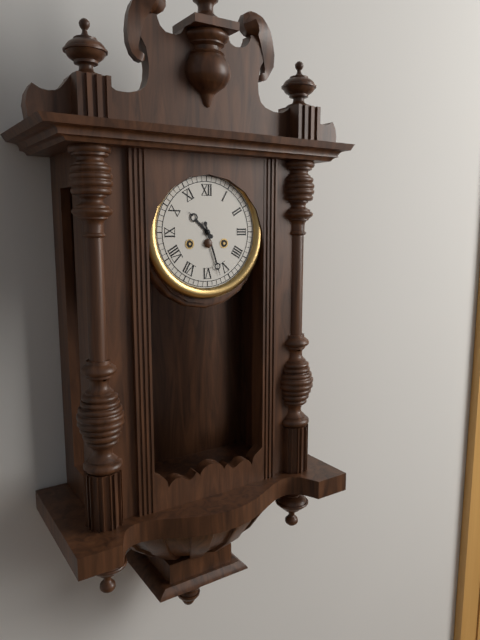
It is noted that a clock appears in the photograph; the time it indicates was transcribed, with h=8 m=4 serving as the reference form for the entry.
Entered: h=10 m=27
